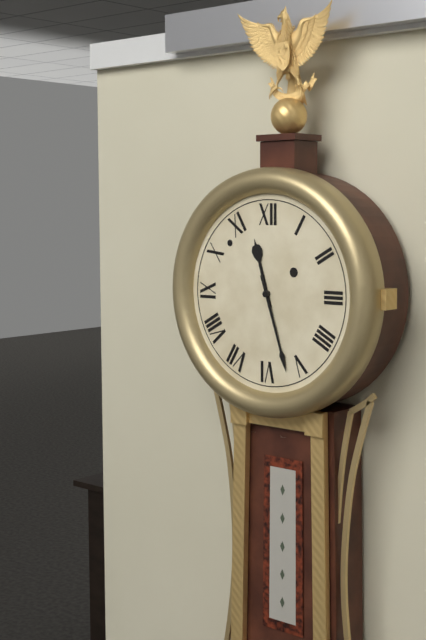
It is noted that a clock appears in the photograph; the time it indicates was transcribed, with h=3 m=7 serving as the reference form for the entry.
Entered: h=11 m=27
